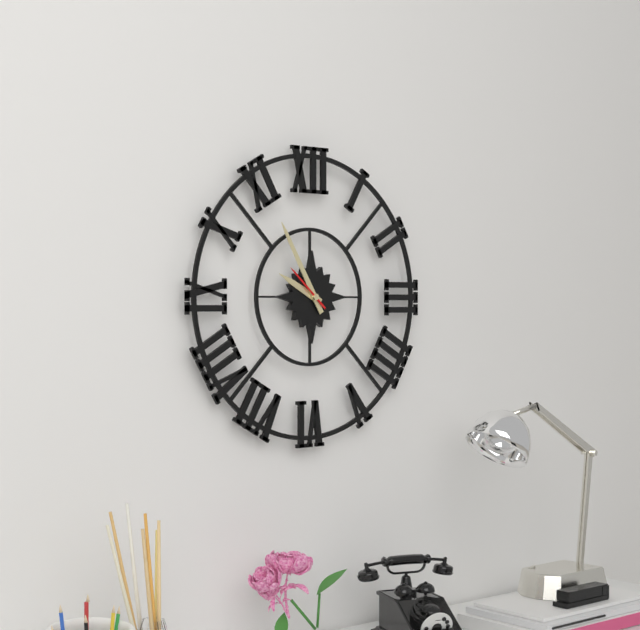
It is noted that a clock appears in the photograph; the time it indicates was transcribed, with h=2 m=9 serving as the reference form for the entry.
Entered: h=9 m=55
